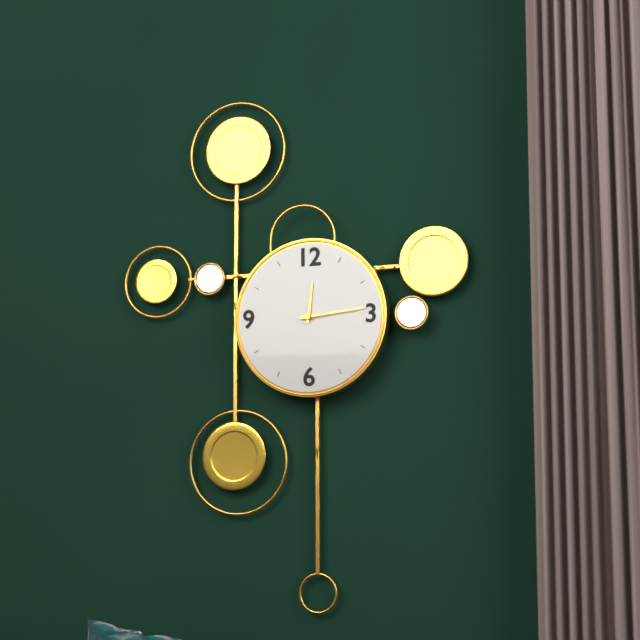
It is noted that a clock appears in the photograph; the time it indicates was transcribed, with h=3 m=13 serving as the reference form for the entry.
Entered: h=12 m=14
